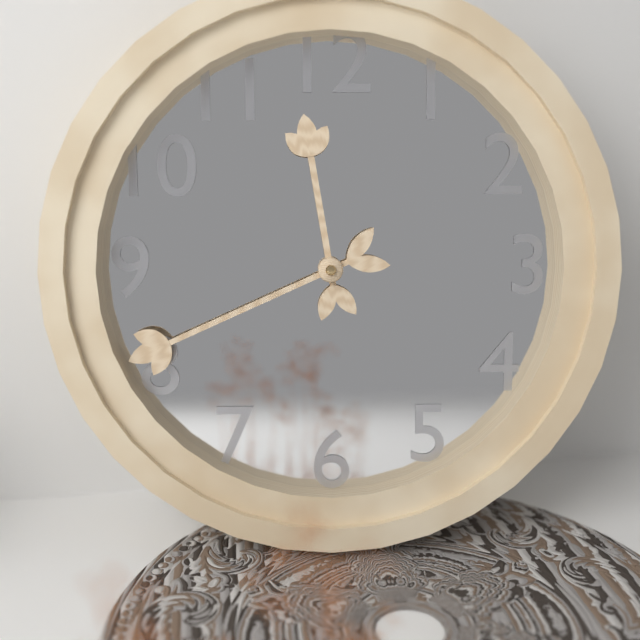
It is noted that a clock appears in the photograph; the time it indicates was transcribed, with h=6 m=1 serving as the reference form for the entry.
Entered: h=11 m=41
